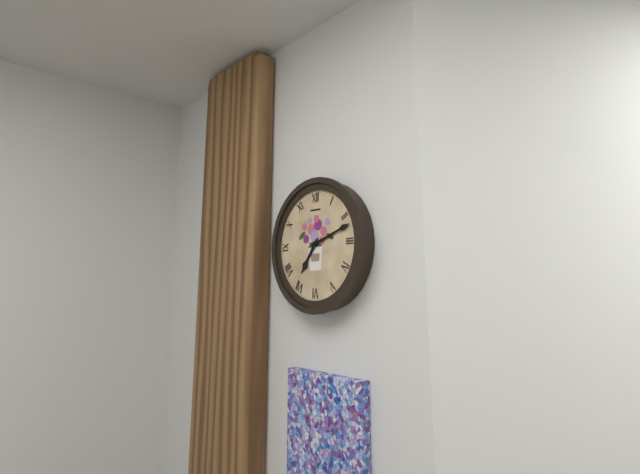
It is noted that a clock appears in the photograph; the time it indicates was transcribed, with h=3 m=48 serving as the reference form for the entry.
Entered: h=7 m=12
